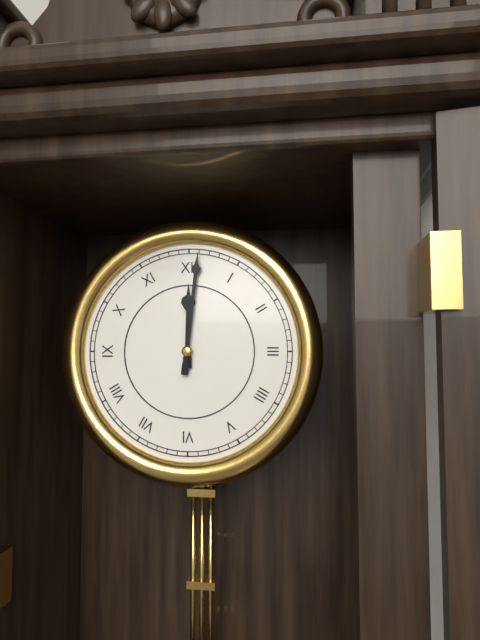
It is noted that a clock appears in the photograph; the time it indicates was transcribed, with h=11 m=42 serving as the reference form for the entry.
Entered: h=12 m=1
